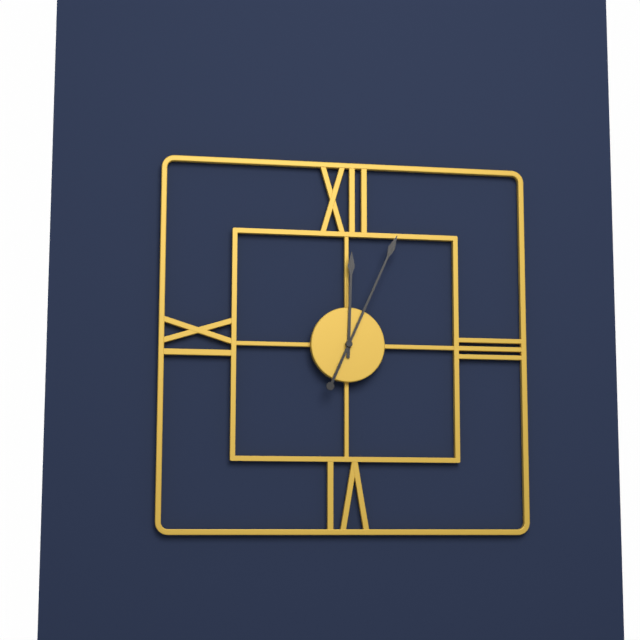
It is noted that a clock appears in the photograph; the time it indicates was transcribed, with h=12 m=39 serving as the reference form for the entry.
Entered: h=12 m=4
